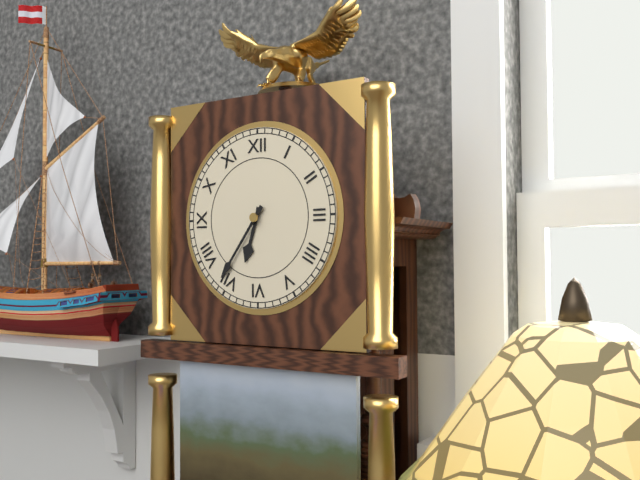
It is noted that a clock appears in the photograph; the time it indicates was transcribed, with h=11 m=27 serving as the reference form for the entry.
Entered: h=6 m=36
